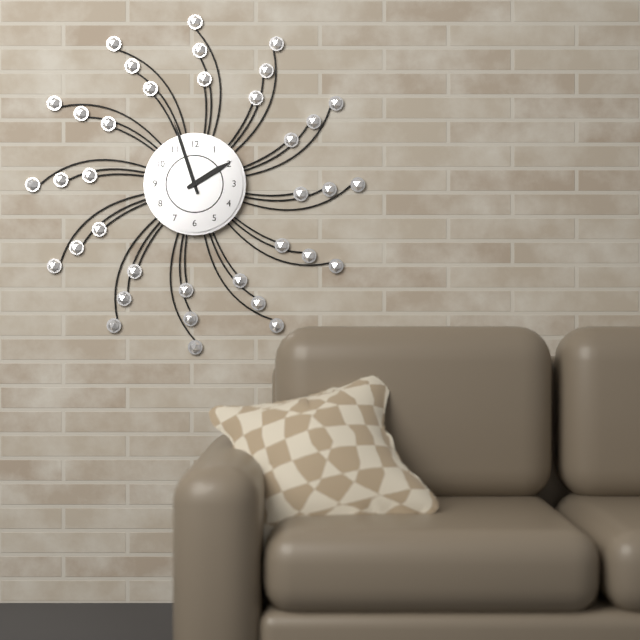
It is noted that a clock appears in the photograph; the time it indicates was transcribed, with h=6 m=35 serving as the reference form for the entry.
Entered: h=1 m=57
